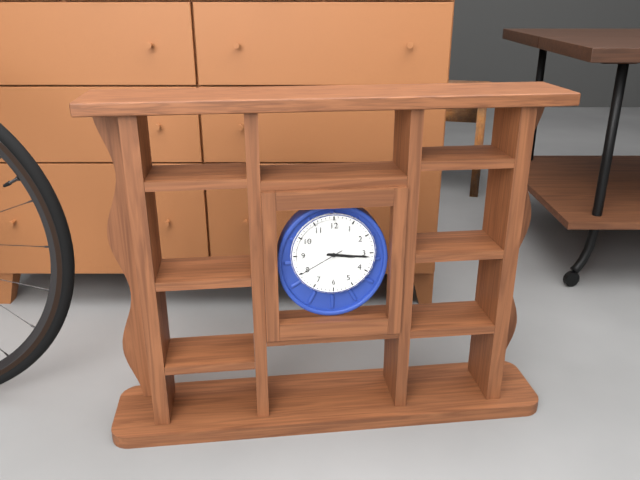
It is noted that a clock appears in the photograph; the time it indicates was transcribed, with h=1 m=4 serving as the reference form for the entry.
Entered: h=3 m=16
